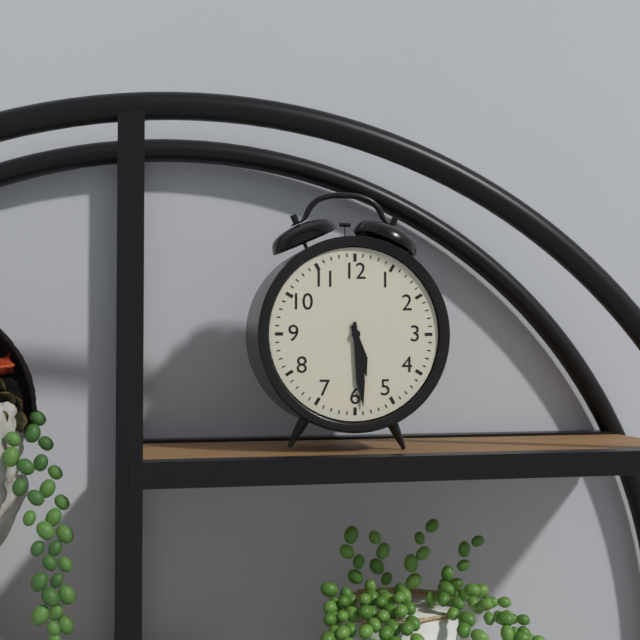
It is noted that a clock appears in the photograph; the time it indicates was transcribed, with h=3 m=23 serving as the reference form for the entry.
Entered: h=5 m=29
